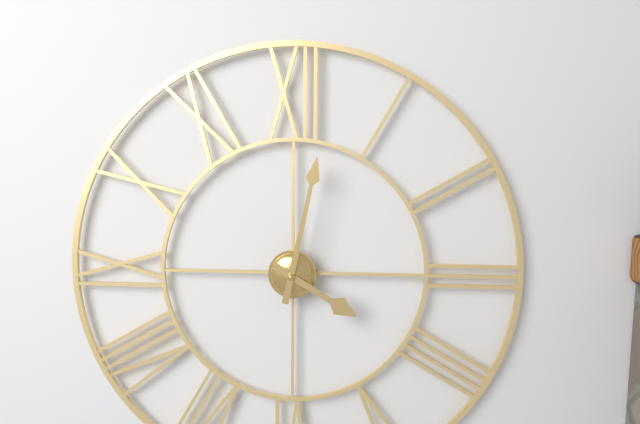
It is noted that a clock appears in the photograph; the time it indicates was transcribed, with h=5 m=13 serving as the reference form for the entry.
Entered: h=4 m=2
